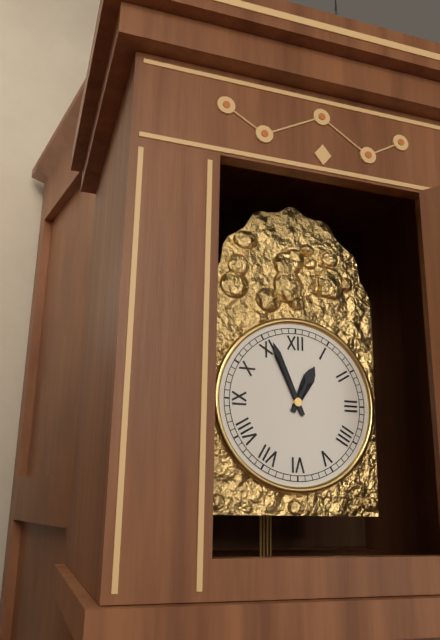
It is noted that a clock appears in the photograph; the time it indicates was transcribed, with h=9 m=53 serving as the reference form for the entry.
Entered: h=12 m=56
